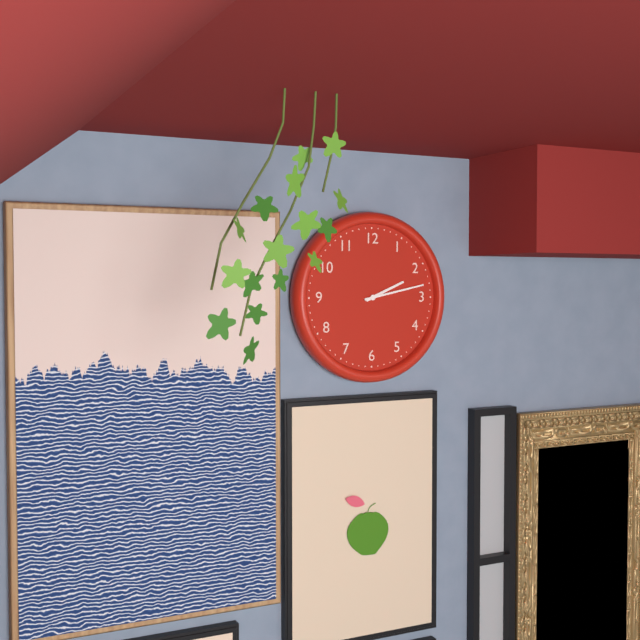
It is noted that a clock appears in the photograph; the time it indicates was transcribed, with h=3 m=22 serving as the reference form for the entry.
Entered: h=2 m=13
